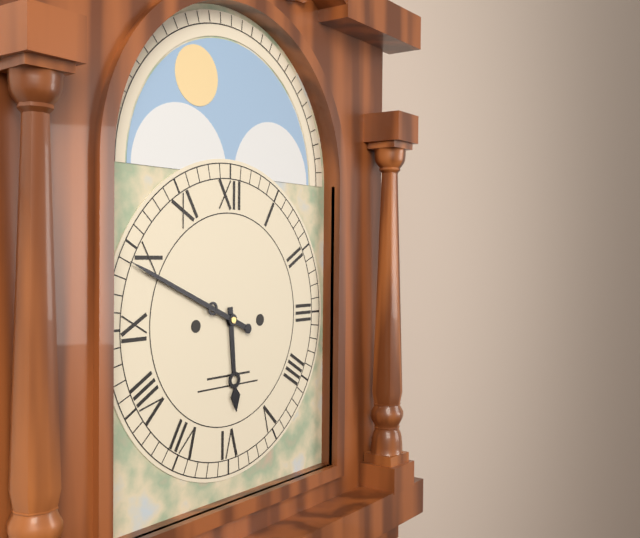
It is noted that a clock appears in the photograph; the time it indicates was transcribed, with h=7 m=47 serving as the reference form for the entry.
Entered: h=5 m=49
